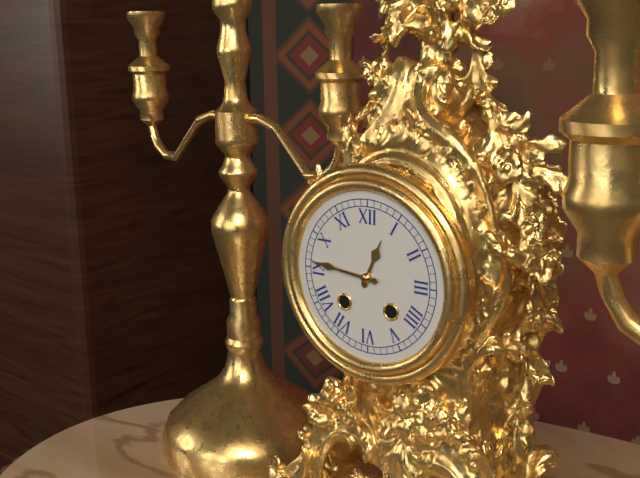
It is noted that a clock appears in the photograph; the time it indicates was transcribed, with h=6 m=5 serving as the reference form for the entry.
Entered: h=12 m=46
